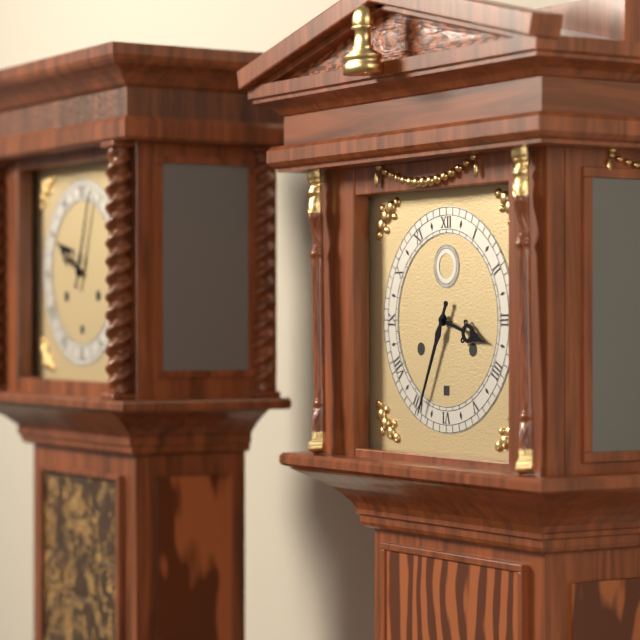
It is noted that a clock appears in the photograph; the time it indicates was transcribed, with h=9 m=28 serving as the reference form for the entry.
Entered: h=3 m=34
